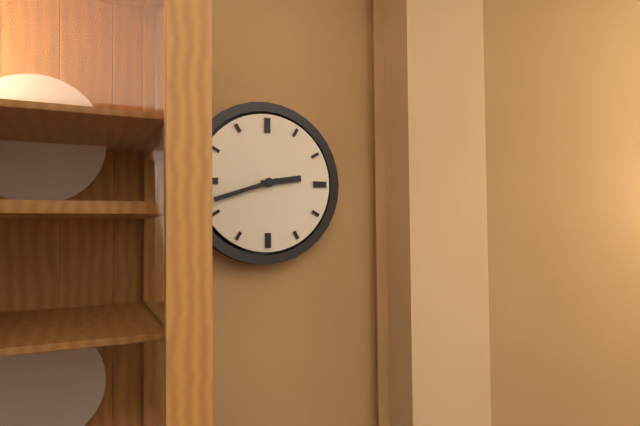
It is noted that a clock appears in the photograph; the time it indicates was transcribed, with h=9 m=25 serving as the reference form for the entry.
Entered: h=2 m=42
